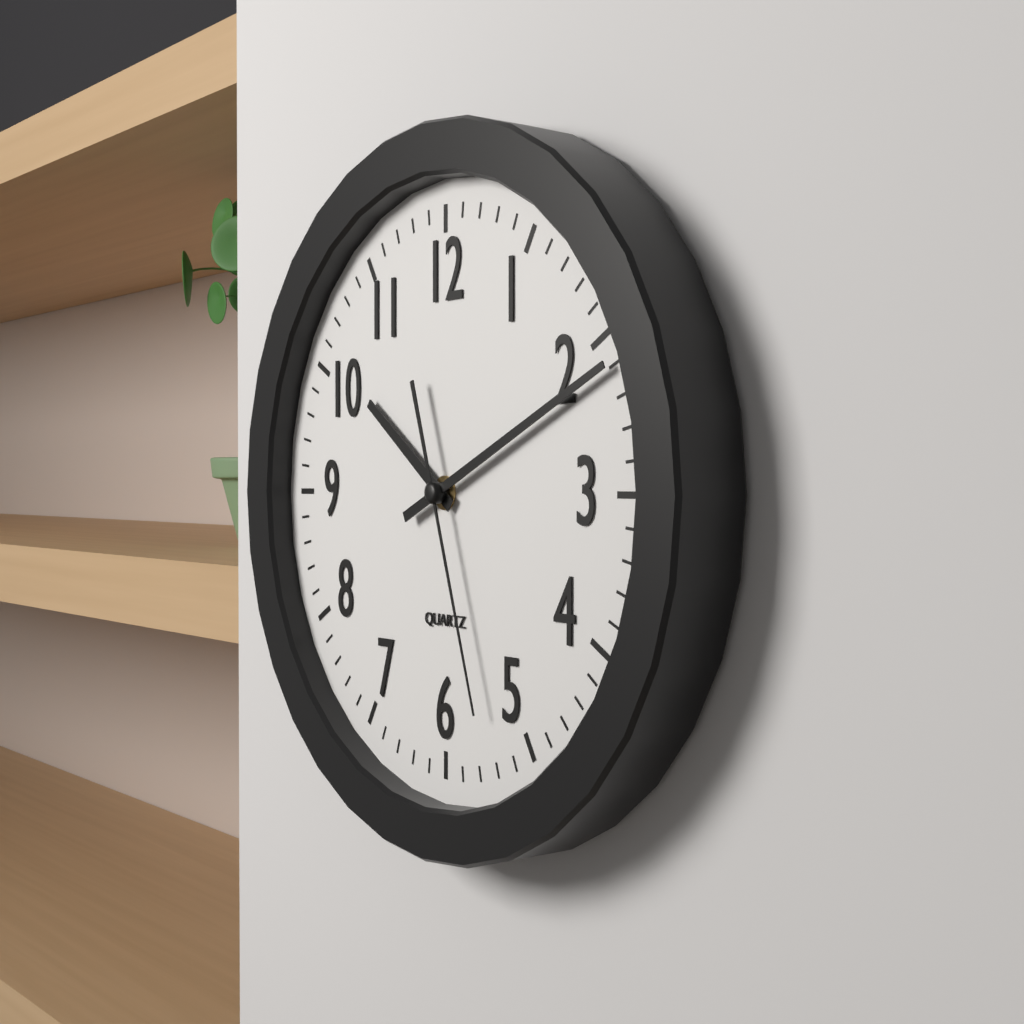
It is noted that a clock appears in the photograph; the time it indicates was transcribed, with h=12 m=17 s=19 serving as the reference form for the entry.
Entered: h=10 m=11 s=27
